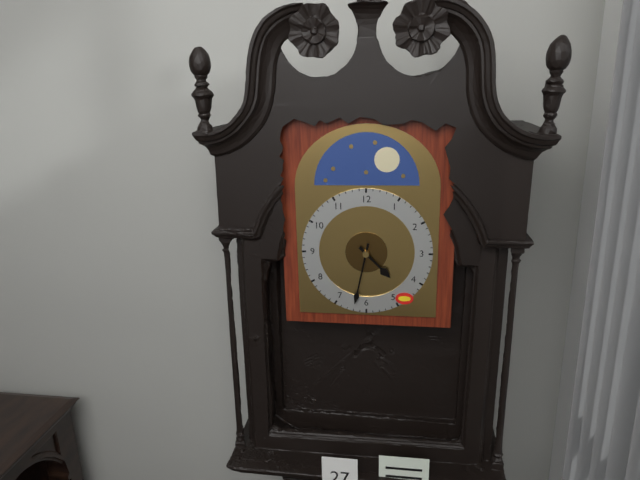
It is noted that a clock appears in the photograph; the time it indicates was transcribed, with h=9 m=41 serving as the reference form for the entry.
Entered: h=4 m=32
